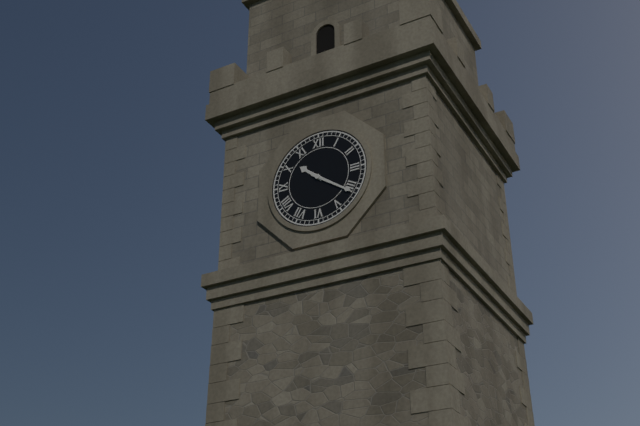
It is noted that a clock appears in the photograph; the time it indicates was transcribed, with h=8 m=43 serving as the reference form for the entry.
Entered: h=10 m=21
